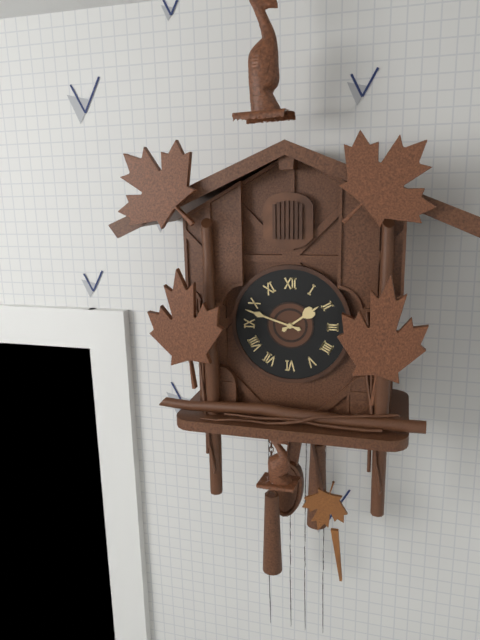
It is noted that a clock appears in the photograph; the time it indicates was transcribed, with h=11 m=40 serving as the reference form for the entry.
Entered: h=1 m=48
